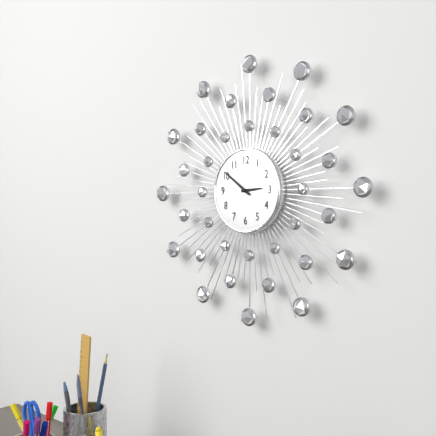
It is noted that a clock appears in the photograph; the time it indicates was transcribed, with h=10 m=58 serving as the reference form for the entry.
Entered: h=2 m=51
